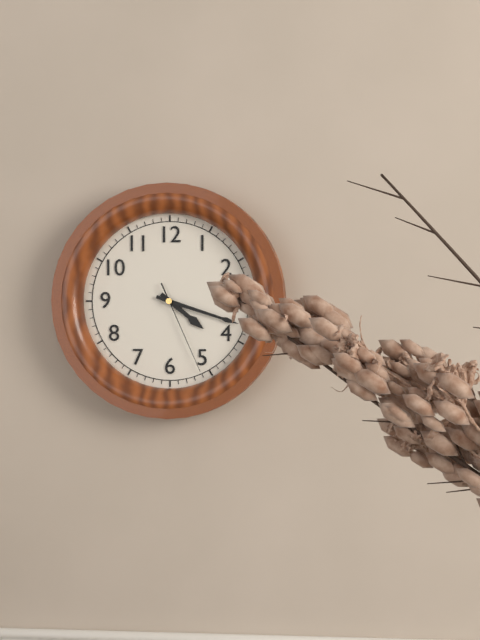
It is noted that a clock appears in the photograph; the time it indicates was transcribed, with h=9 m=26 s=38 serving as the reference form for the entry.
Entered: h=4 m=18 s=26
